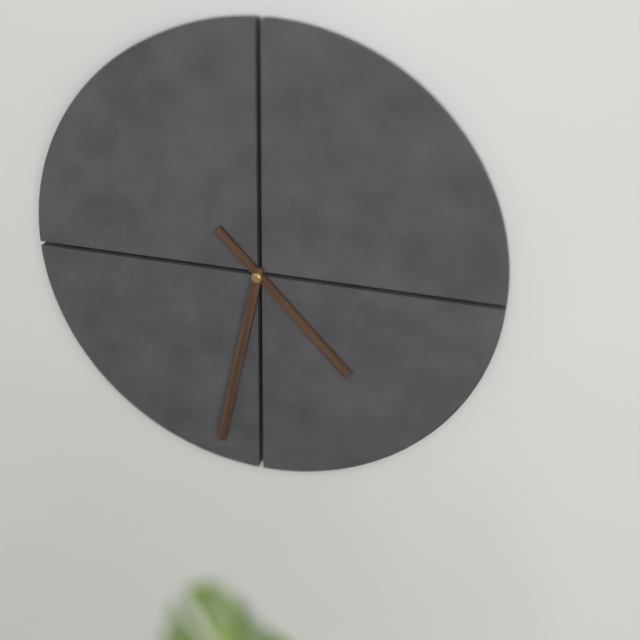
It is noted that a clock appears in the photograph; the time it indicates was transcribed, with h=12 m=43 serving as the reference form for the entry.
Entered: h=4 m=32
